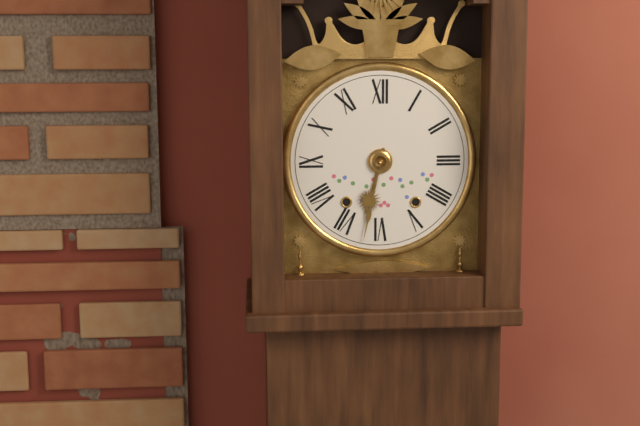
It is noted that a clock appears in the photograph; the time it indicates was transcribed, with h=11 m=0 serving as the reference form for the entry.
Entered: h=6 m=32
